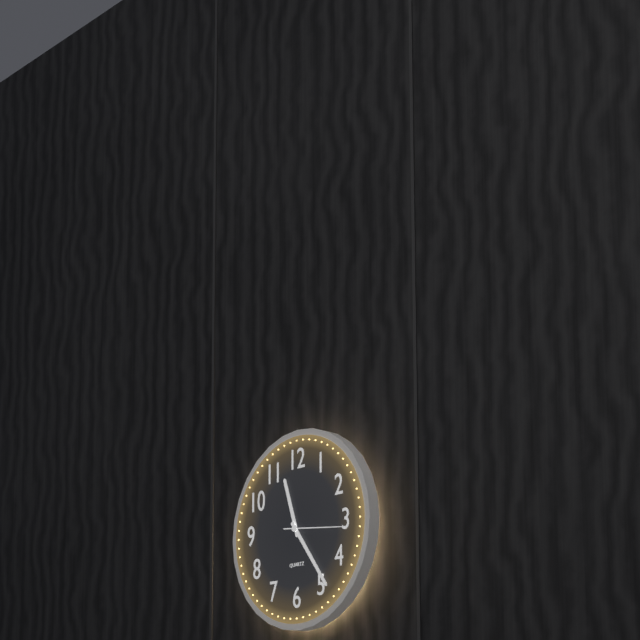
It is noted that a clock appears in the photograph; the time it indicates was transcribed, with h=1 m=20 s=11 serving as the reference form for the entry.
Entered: h=11 m=24 s=16
